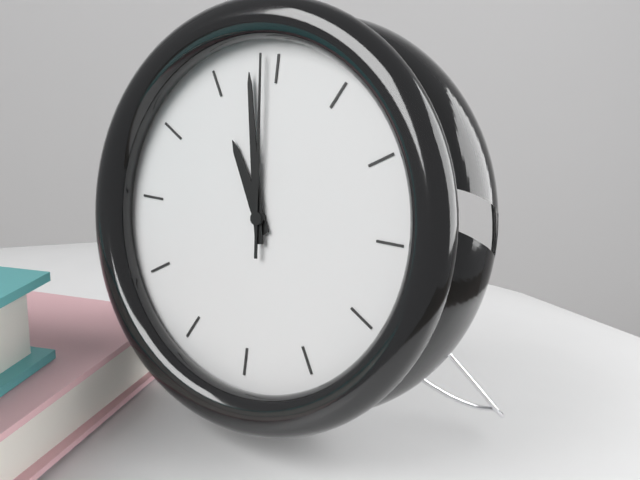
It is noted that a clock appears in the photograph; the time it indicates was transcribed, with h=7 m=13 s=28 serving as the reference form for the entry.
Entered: h=10 m=58 s=59
